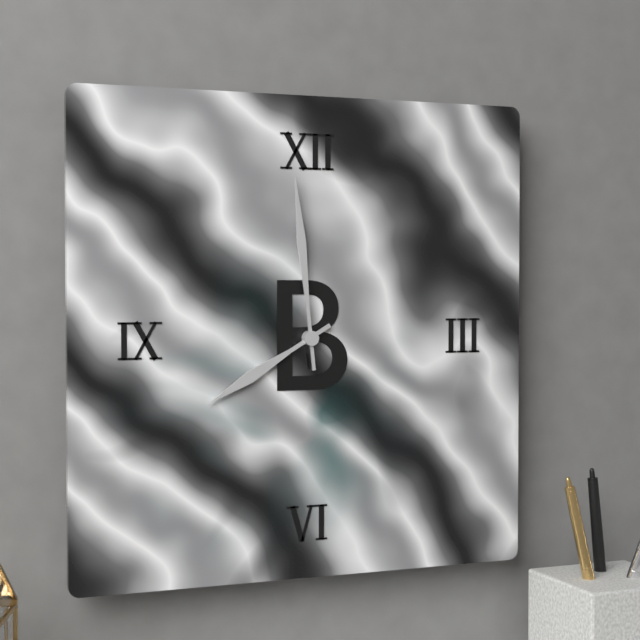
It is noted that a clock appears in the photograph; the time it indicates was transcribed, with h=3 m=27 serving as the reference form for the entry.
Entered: h=7 m=59
